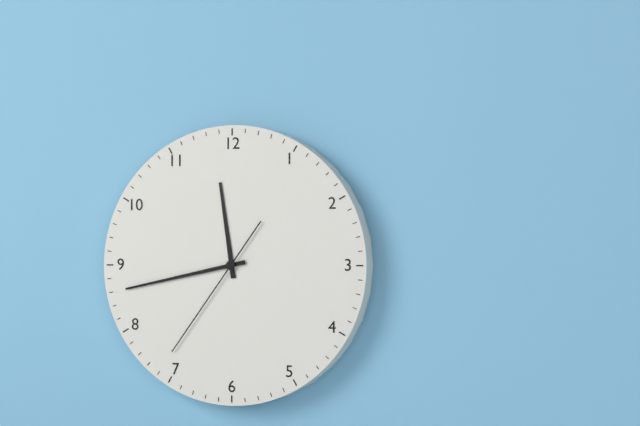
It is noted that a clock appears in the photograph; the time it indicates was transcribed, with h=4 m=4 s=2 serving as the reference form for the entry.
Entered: h=11 m=43 s=36
